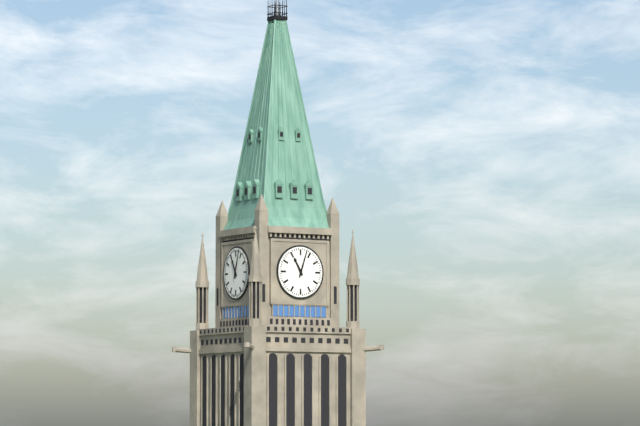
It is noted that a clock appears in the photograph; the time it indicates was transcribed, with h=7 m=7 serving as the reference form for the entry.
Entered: h=11 m=3
